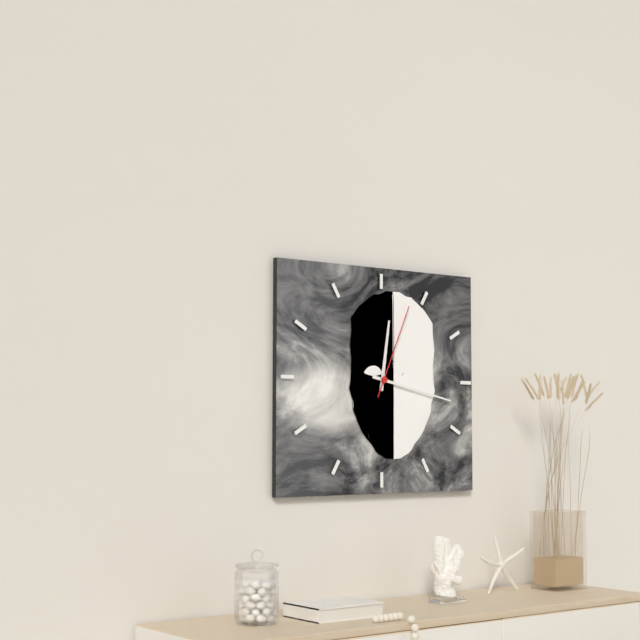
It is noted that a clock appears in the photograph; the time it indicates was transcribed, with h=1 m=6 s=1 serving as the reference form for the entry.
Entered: h=12 m=17 s=4
